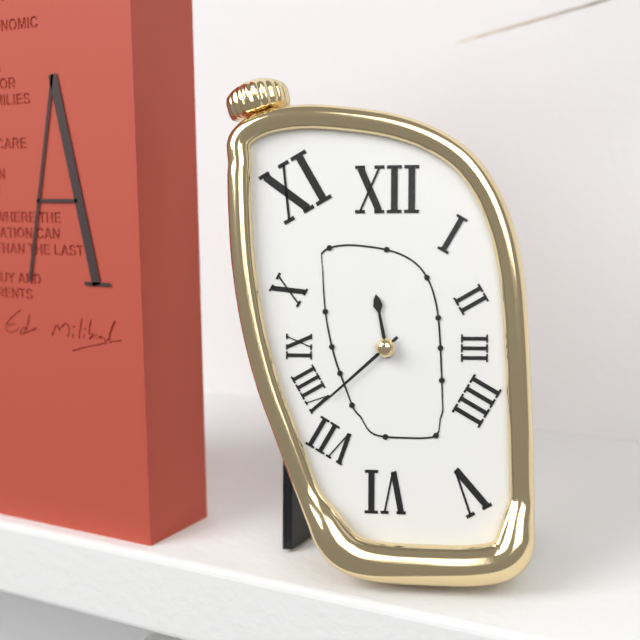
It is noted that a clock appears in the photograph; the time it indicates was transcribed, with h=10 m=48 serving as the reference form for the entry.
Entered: h=11 m=38
